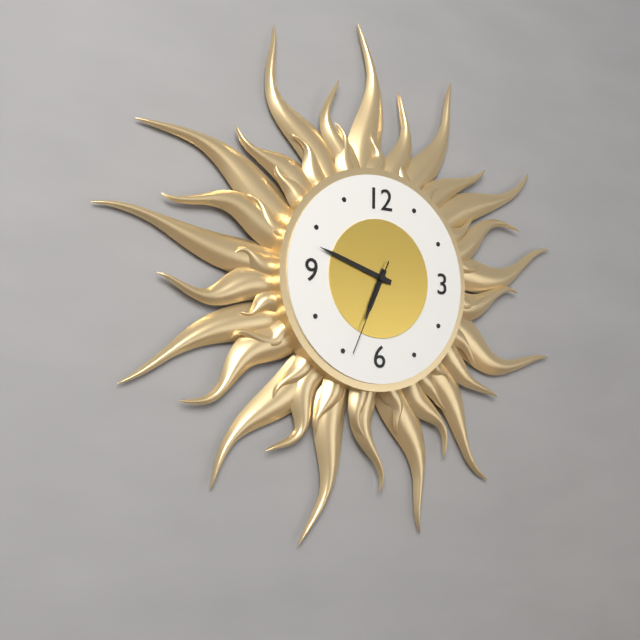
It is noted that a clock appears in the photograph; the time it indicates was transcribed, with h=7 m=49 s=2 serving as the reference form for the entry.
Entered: h=6 m=48 s=34
